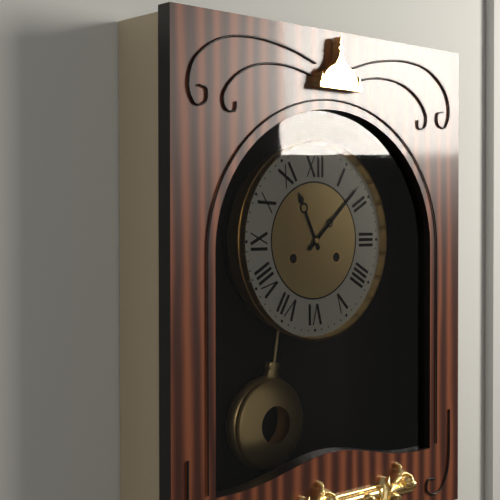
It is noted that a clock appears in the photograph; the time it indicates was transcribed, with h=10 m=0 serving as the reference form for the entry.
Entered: h=11 m=8
